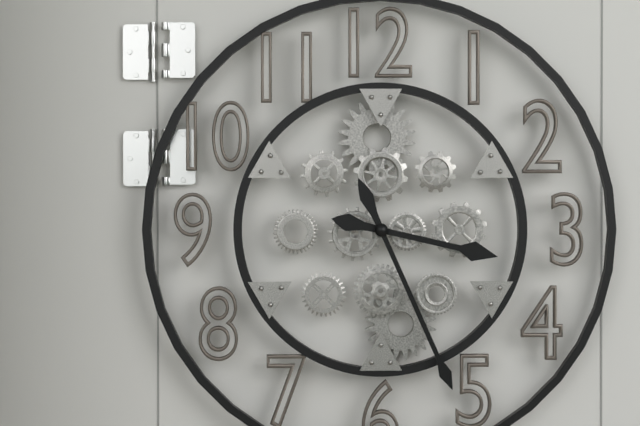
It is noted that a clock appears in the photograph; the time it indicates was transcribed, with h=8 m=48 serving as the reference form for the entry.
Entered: h=3 m=26
